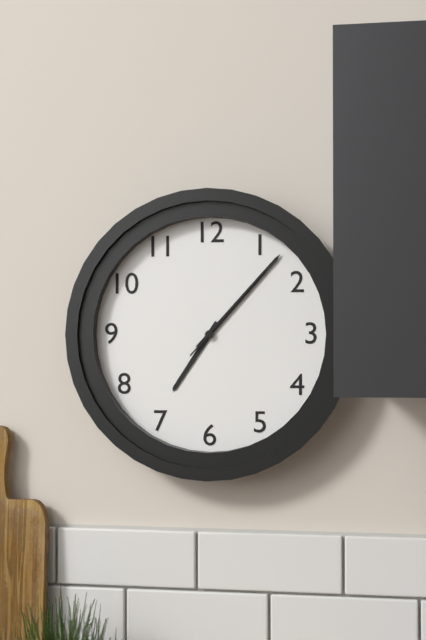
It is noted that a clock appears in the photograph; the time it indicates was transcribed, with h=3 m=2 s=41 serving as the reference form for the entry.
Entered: h=7 m=7 s=7
